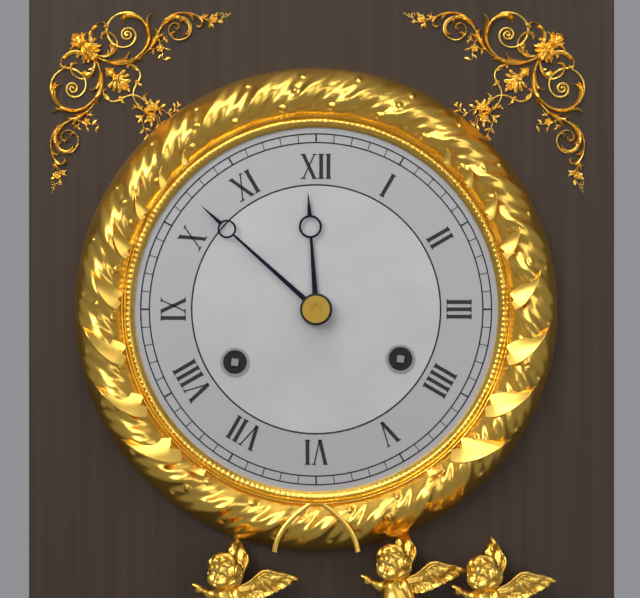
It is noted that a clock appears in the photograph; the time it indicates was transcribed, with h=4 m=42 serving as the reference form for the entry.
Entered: h=11 m=52
